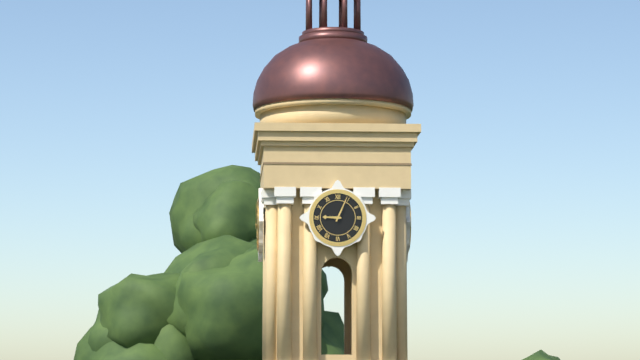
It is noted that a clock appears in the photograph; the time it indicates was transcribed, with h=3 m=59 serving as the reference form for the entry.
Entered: h=9 m=4
